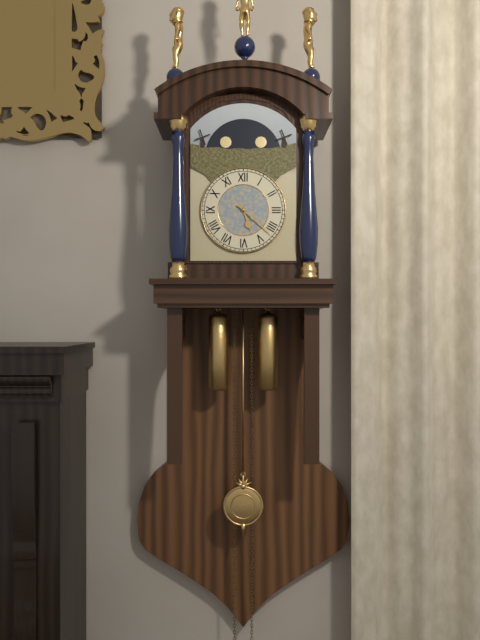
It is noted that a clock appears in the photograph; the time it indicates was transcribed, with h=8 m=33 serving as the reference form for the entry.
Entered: h=5 m=22
